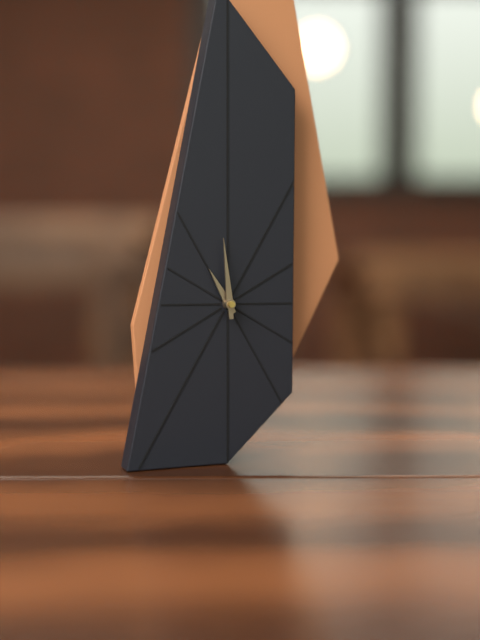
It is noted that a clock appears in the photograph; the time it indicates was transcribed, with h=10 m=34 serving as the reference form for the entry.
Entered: h=10 m=59
